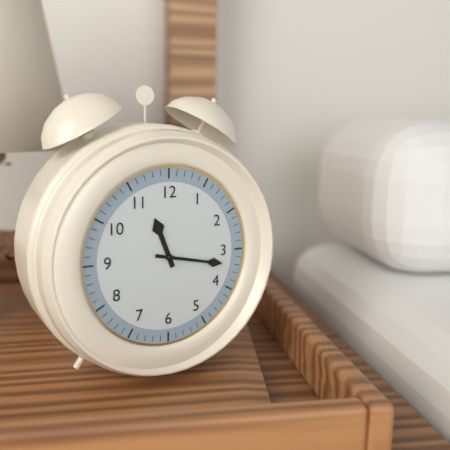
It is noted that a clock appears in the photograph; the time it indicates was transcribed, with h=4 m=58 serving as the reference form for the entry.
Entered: h=11 m=17
